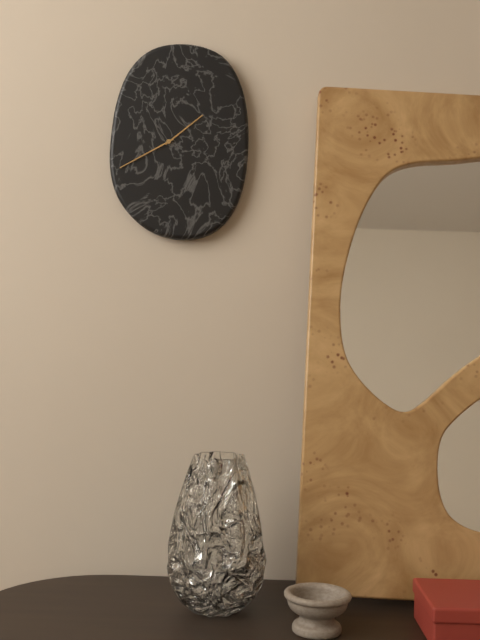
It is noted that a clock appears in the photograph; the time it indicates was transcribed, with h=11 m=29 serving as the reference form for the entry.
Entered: h=1 m=40
